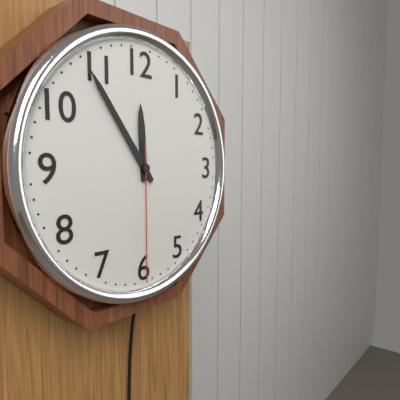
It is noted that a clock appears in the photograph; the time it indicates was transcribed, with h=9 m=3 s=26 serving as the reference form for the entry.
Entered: h=11 m=54 s=30
